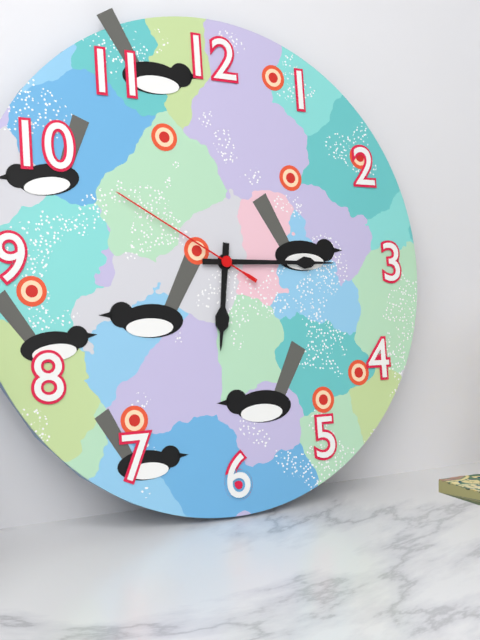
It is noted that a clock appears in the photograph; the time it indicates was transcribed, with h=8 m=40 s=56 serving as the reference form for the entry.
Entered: h=6 m=15 s=50
